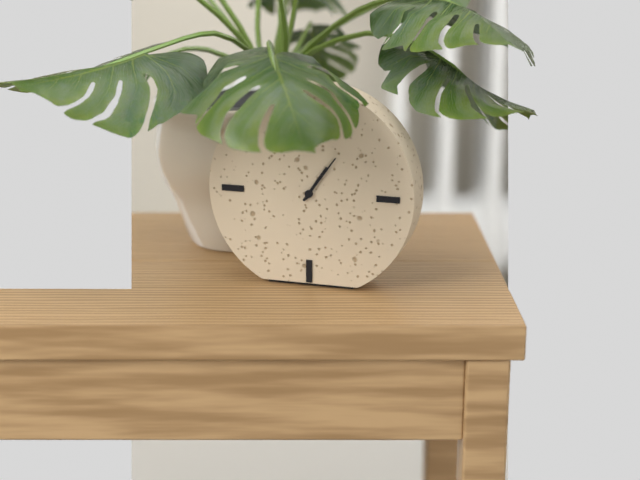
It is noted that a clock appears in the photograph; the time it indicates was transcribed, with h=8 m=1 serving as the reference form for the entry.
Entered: h=1 m=6
